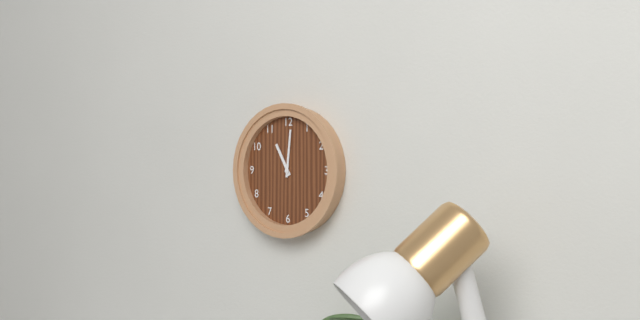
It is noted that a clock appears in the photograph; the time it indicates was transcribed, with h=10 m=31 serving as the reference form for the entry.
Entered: h=11 m=1
